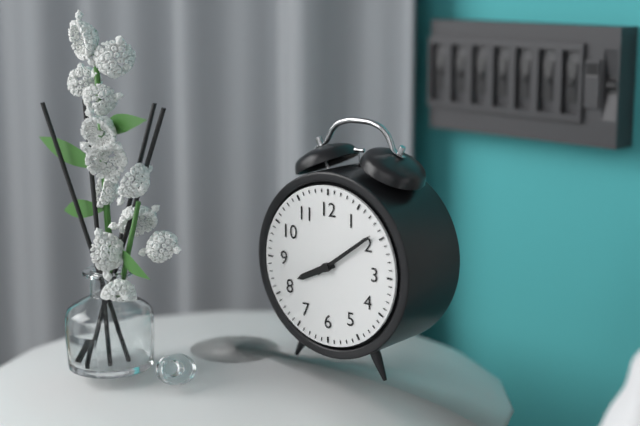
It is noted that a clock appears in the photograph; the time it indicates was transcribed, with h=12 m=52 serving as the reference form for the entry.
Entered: h=8 m=9
